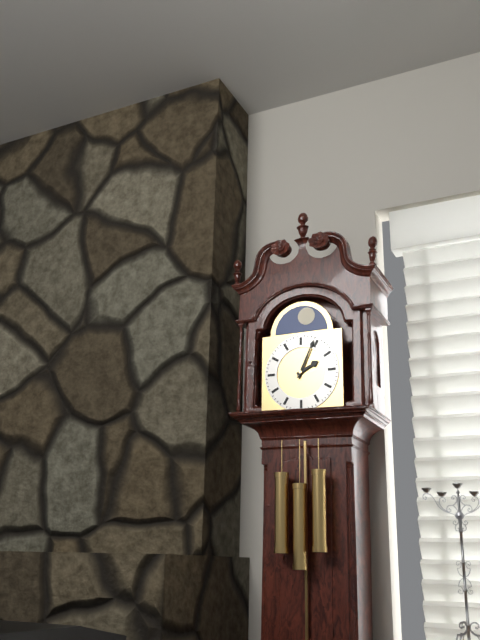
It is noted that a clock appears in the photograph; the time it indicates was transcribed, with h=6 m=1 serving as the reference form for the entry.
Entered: h=2 m=4
